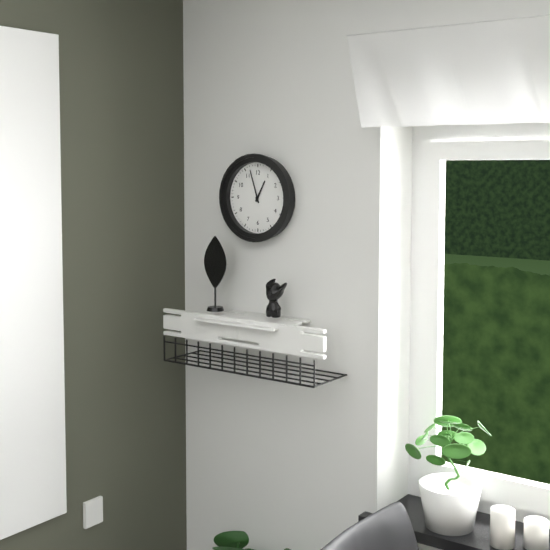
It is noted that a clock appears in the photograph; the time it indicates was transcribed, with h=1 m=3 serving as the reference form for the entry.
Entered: h=12 m=57
